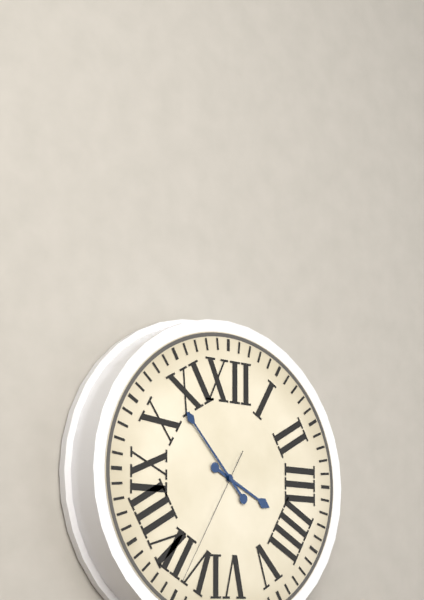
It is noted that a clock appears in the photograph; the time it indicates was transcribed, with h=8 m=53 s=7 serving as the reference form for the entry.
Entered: h=3 m=53 s=35
